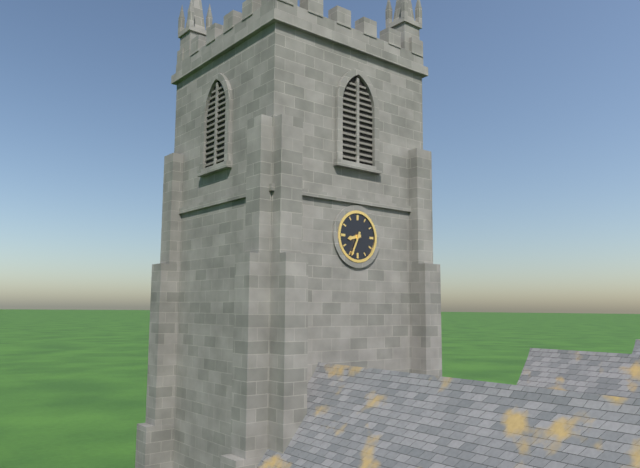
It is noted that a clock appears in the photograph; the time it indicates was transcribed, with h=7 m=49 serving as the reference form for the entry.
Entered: h=8 m=34
